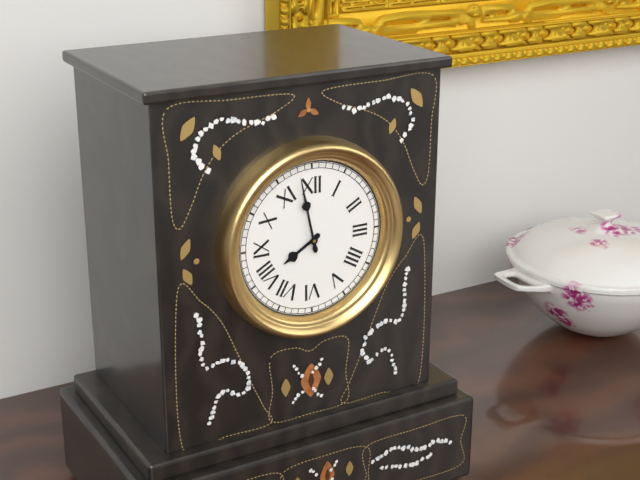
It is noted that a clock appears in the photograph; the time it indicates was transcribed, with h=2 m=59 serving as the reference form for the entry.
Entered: h=7 m=58
